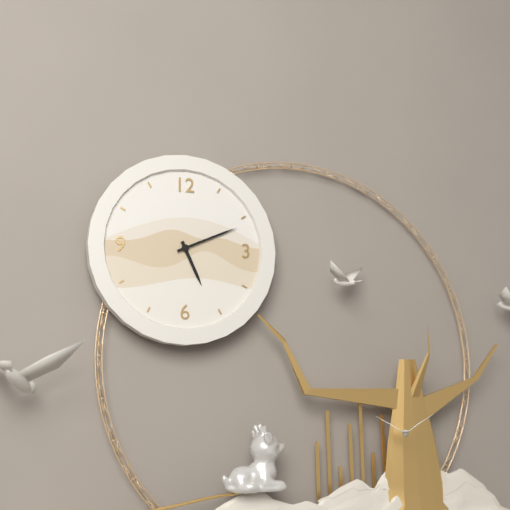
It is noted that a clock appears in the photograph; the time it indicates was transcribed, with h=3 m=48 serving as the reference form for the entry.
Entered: h=5 m=11
